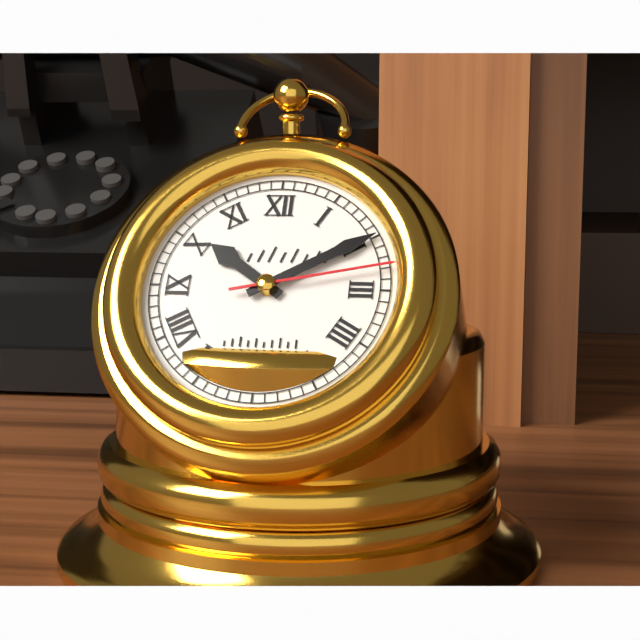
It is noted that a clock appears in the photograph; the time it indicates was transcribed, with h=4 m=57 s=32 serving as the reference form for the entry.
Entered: h=10 m=10 s=13
